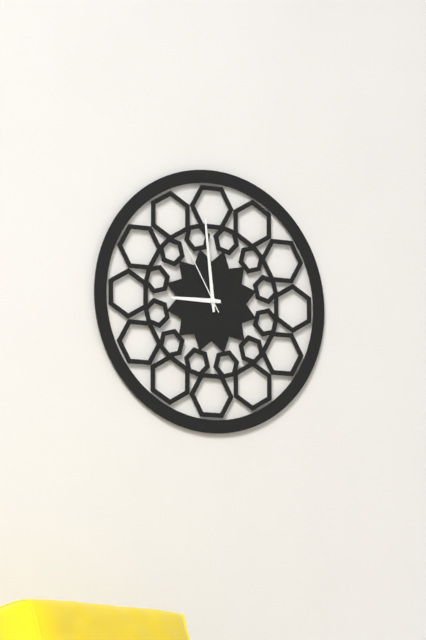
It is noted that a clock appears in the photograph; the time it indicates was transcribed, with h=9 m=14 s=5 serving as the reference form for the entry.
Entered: h=8 m=59 s=55
